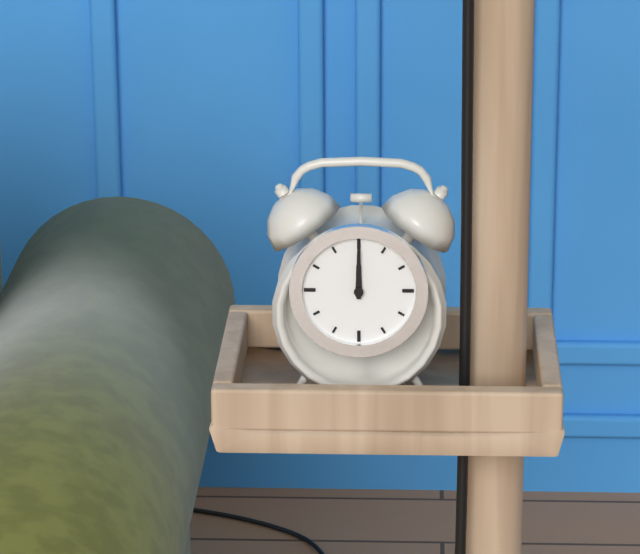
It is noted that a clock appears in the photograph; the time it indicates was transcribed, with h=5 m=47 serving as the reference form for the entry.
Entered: h=12 m=0
